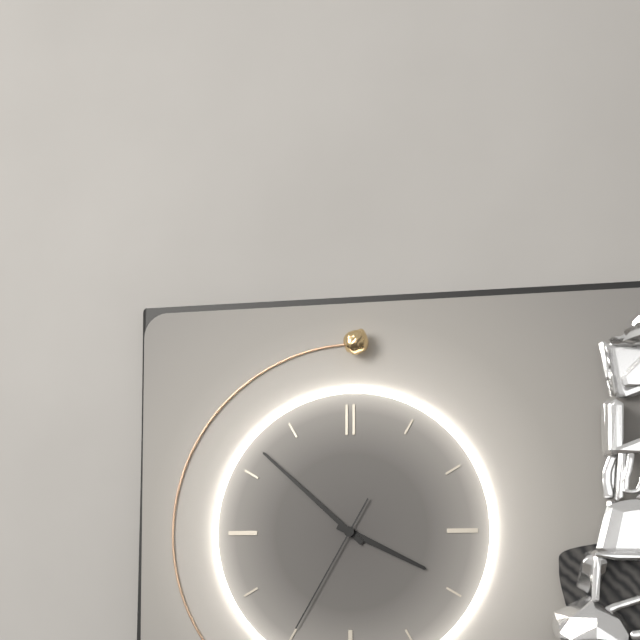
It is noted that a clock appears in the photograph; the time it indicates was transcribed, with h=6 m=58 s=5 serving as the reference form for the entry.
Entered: h=3 m=52 s=35
